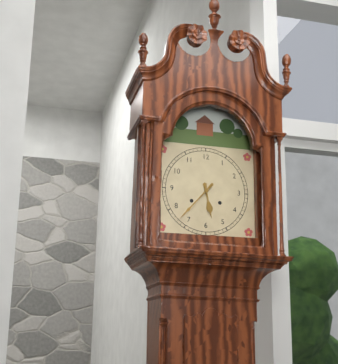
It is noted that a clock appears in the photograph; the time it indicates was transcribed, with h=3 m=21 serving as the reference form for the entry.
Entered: h=5 m=37
